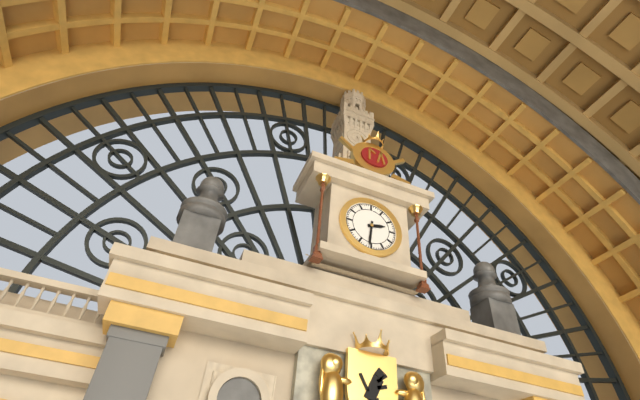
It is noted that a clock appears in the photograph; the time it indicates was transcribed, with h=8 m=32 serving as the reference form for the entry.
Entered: h=2 m=31
